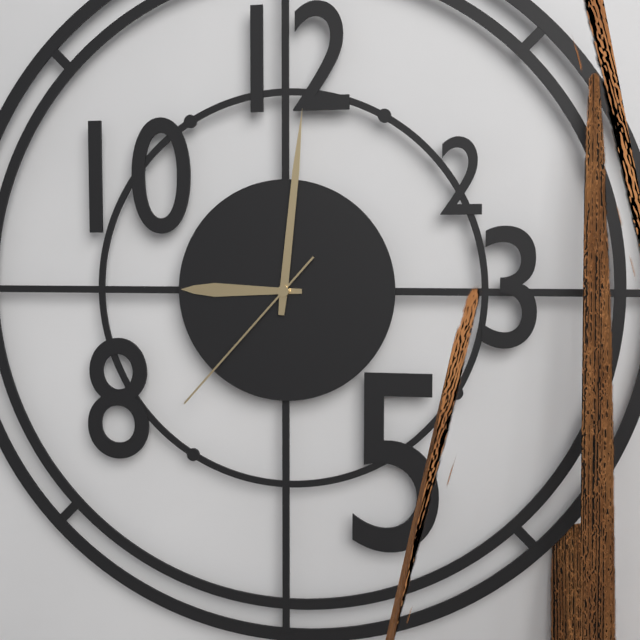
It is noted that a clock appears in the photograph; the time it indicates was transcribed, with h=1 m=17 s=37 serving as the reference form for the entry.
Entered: h=9 m=1 s=37
